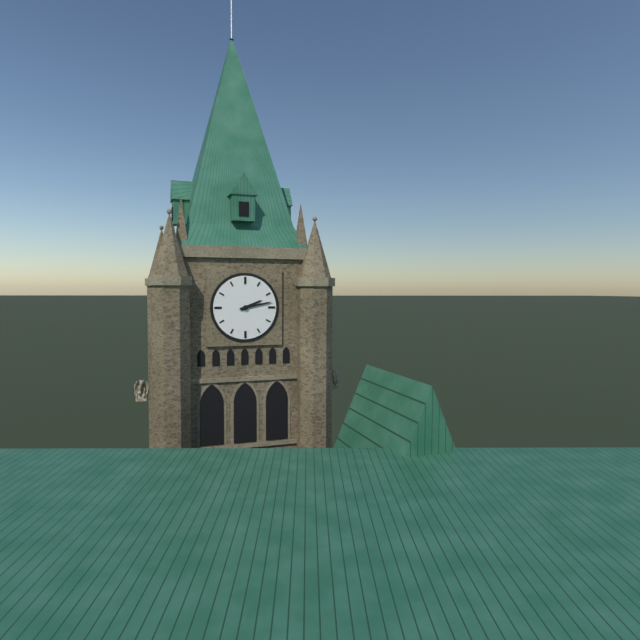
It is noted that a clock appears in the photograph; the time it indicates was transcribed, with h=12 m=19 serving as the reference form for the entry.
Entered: h=2 m=13
